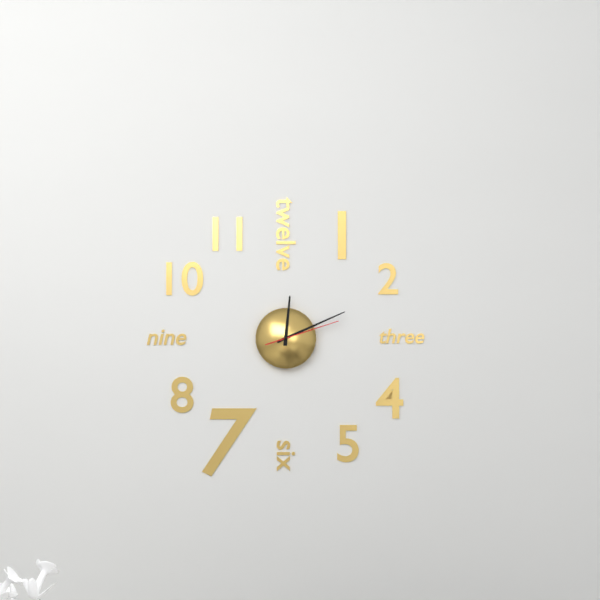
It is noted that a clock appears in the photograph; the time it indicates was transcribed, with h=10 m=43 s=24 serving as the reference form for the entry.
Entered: h=12 m=11 s=12
